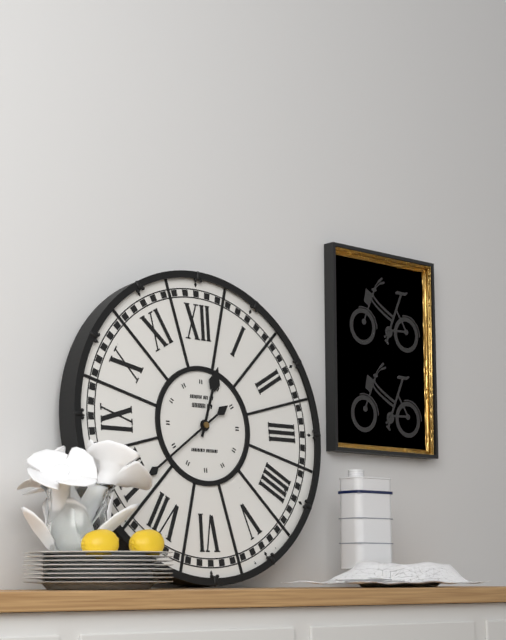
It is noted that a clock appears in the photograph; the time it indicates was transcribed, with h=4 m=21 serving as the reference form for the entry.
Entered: h=12 m=39
